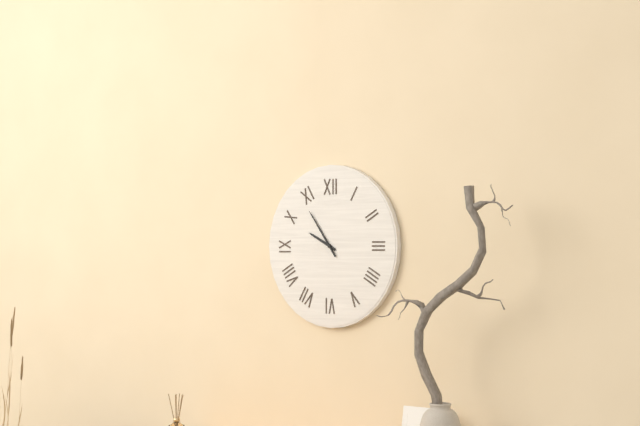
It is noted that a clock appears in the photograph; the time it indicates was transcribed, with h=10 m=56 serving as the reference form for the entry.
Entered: h=9 m=54
